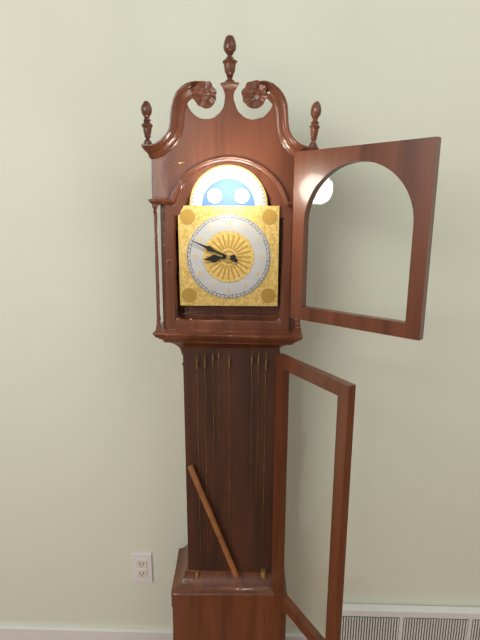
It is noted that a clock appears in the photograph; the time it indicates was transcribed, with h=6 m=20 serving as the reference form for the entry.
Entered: h=8 m=49
